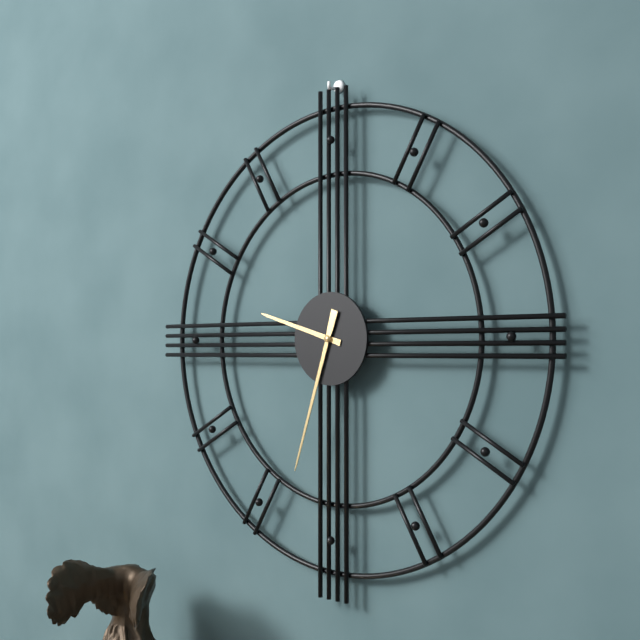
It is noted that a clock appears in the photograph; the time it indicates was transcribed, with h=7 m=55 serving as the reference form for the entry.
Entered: h=9 m=33
